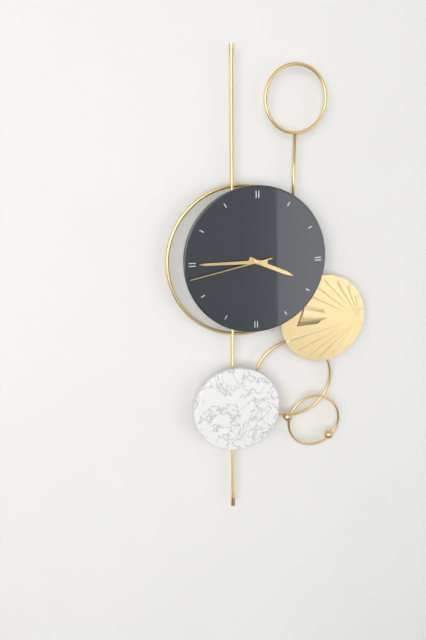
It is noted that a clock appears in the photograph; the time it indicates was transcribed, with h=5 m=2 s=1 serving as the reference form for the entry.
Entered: h=3 m=45 s=43
